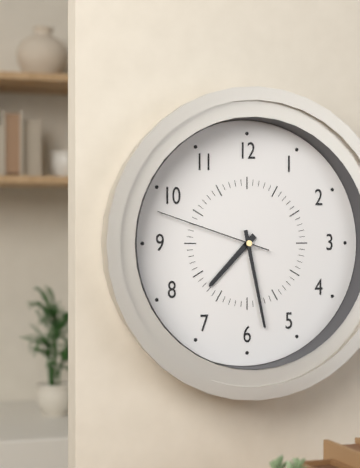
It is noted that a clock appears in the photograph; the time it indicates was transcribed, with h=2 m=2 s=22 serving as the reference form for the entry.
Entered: h=7 m=28 s=48
